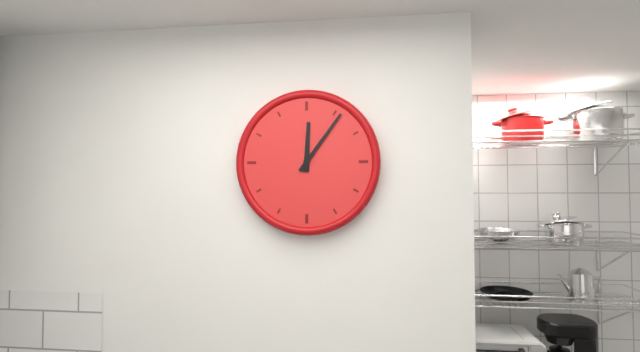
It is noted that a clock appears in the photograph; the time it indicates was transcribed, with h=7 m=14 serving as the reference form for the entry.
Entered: h=12 m=6
